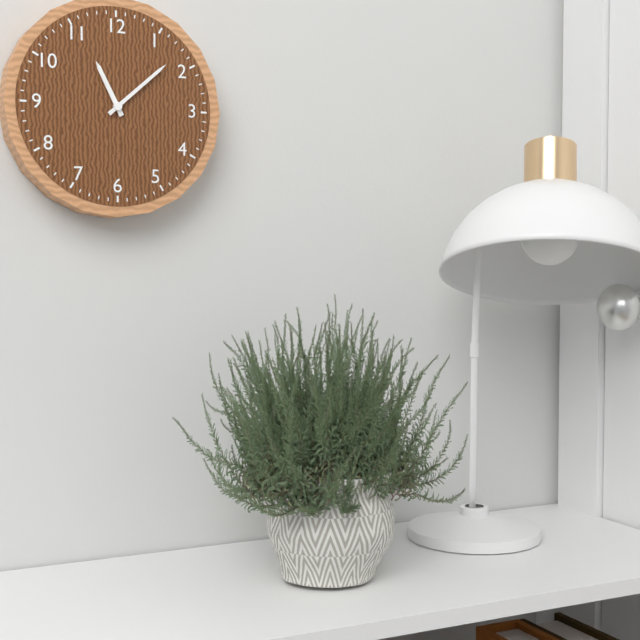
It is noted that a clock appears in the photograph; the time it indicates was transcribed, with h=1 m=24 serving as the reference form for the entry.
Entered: h=11 m=8
